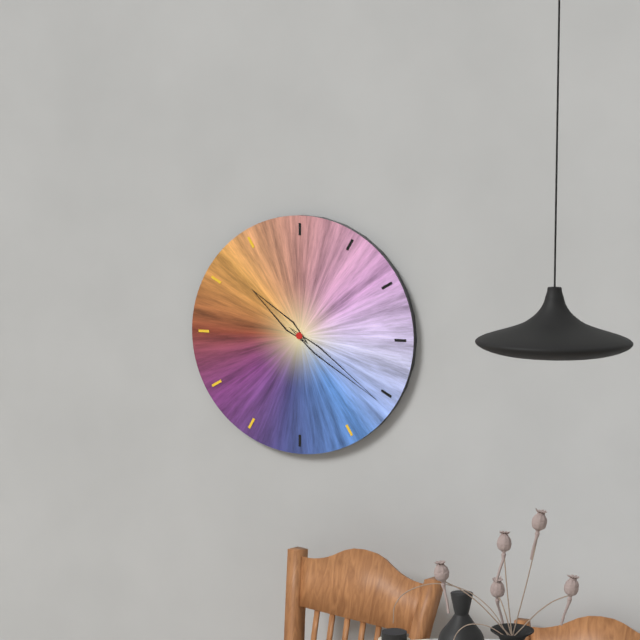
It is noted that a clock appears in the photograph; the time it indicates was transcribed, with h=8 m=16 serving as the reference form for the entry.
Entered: h=10 m=21
